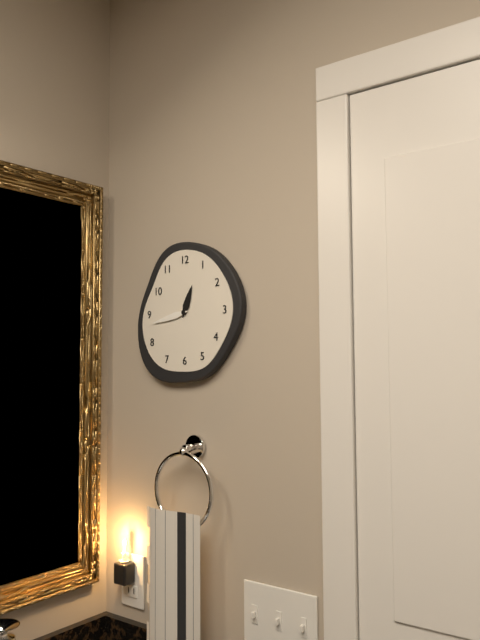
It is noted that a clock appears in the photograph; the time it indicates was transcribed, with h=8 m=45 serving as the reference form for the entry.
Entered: h=12 m=43
